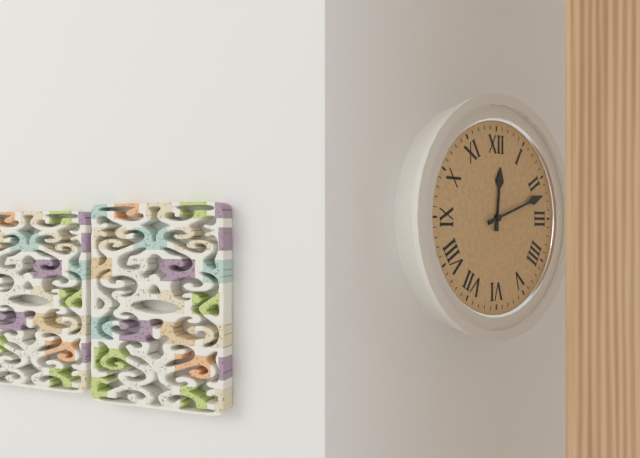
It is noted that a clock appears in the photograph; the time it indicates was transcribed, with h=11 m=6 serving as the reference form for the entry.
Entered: h=12 m=12
